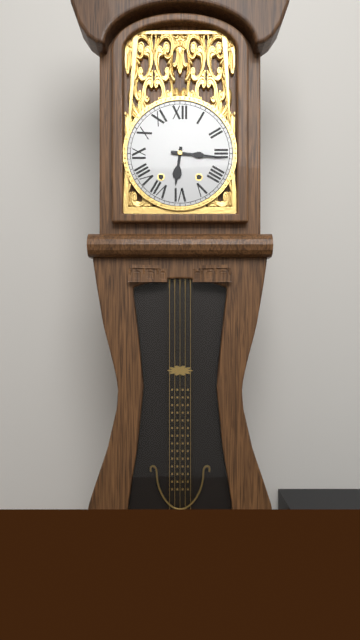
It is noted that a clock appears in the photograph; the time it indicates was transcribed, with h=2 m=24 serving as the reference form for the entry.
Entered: h=6 m=16
